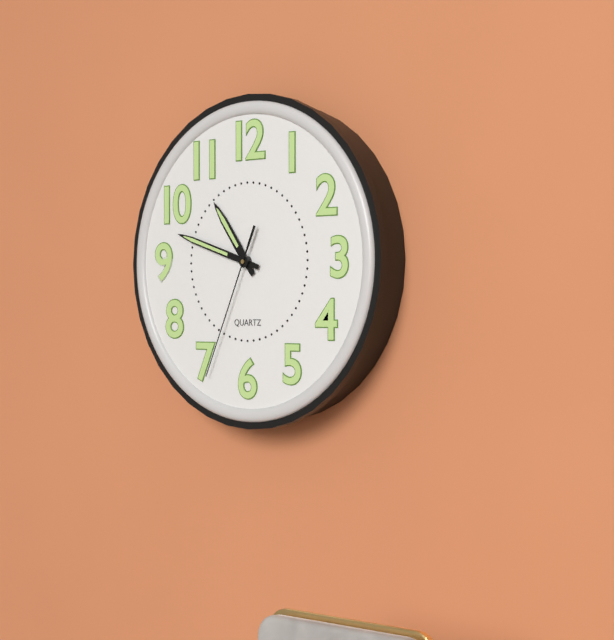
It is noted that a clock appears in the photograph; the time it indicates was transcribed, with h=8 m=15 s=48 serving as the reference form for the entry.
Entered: h=10 m=48 s=34
